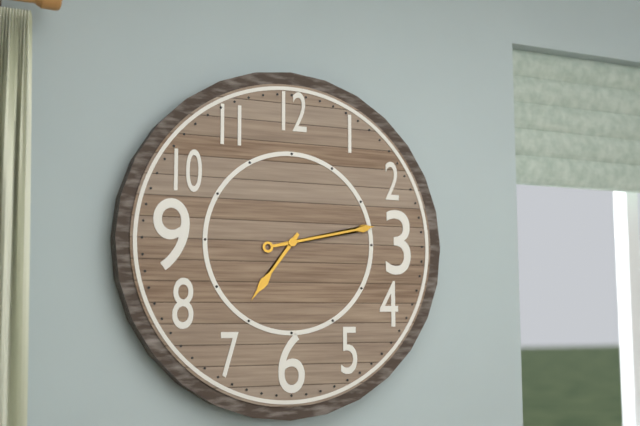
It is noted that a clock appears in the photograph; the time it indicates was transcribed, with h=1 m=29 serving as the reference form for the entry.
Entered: h=7 m=13
